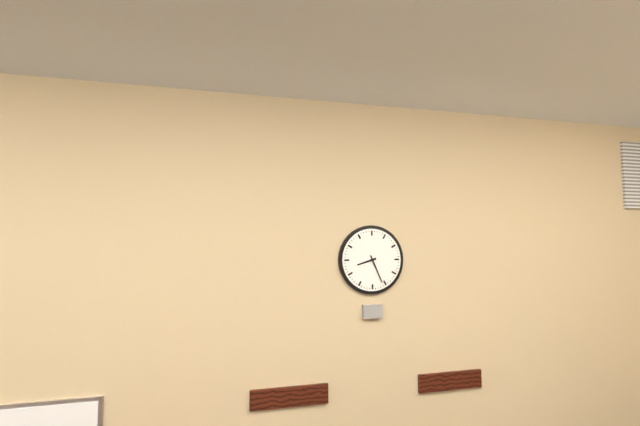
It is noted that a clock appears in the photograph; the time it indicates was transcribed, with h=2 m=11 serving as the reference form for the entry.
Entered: h=8 m=26
